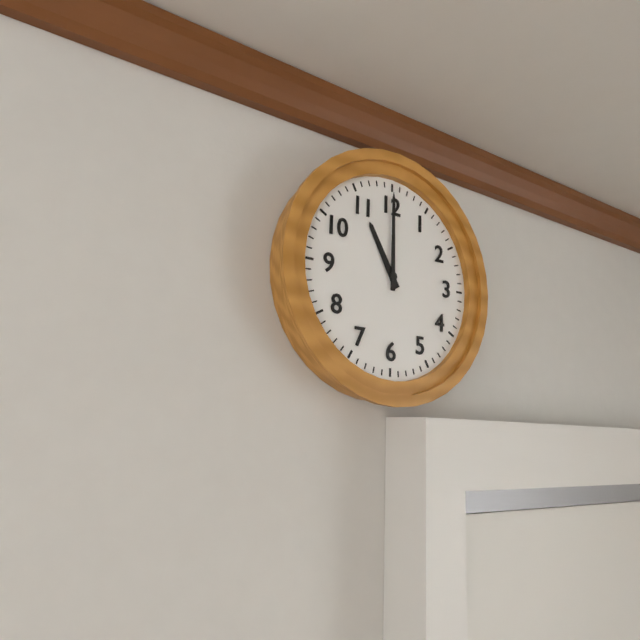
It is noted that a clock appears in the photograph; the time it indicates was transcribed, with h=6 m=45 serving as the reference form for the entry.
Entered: h=11 m=0
